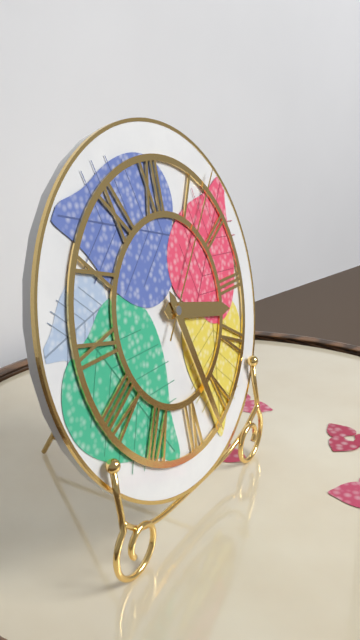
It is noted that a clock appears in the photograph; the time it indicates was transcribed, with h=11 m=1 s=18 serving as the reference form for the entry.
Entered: h=3 m=27 s=7
